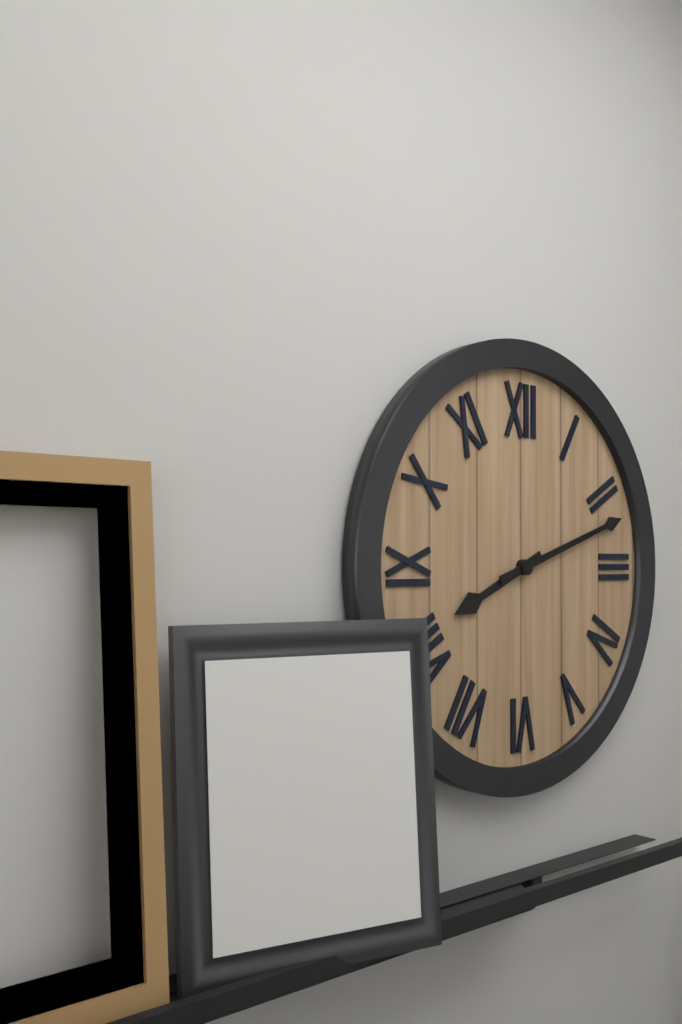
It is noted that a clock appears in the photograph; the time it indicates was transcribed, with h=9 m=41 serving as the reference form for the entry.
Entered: h=8 m=12
